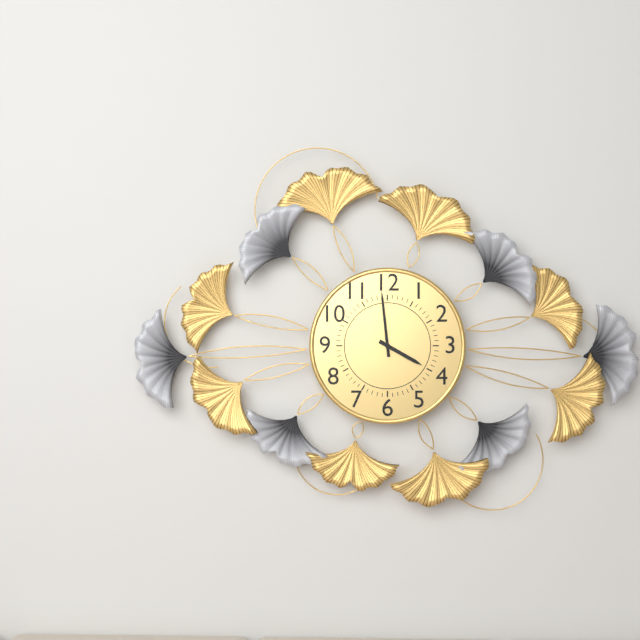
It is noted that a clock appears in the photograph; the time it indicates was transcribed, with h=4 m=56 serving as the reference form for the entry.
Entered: h=3 m=59
